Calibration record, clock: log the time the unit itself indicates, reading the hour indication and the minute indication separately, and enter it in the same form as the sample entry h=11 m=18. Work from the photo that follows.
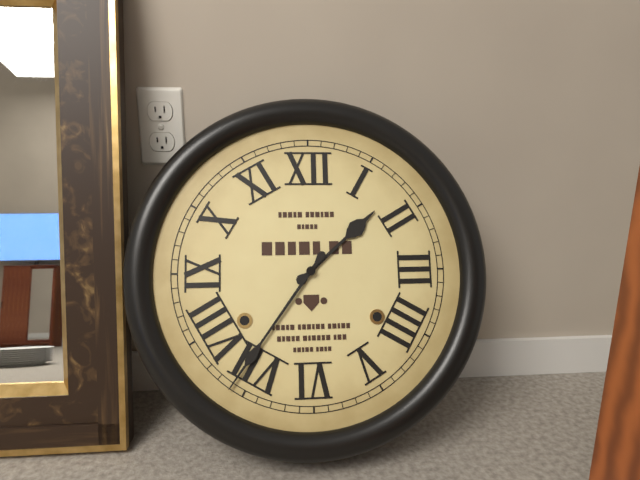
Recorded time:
h=1 m=36
